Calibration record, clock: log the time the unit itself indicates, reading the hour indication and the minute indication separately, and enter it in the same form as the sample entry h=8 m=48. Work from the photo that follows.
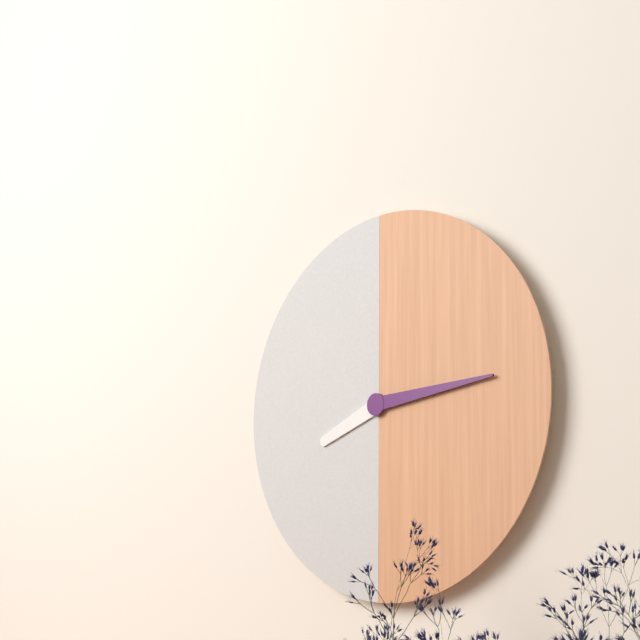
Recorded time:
h=8 m=14
